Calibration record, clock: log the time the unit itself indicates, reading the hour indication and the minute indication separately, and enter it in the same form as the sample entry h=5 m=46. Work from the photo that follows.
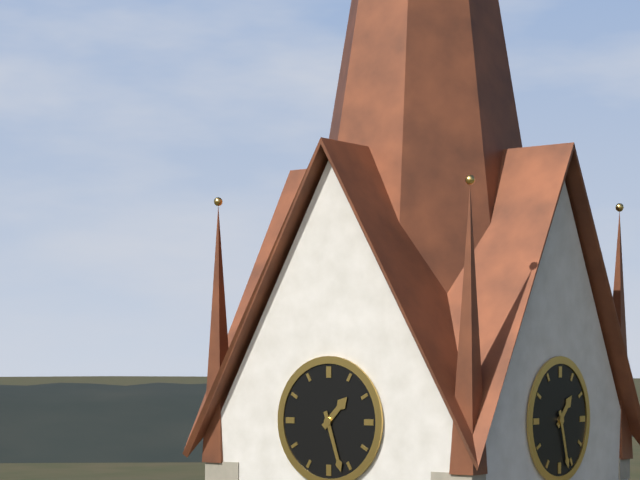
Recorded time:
h=1 m=27
